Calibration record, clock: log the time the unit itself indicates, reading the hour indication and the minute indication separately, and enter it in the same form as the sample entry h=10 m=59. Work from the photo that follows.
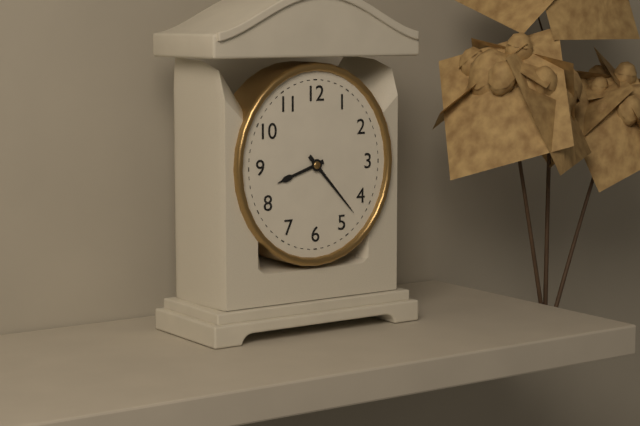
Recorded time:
h=8 m=23
